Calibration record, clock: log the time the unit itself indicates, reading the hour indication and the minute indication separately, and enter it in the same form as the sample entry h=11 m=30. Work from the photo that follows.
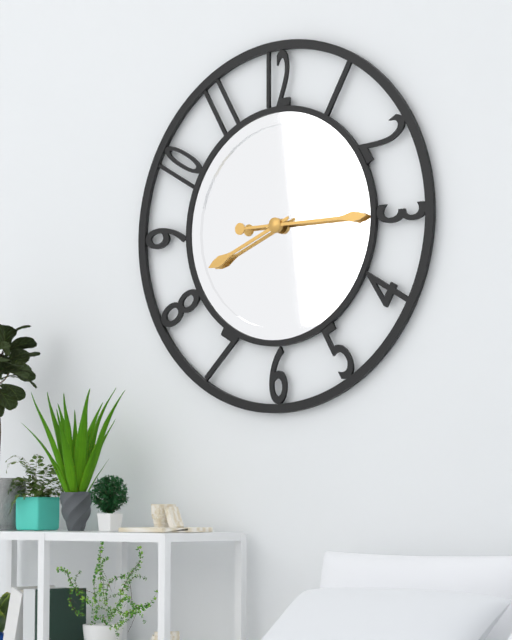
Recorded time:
h=8 m=15
